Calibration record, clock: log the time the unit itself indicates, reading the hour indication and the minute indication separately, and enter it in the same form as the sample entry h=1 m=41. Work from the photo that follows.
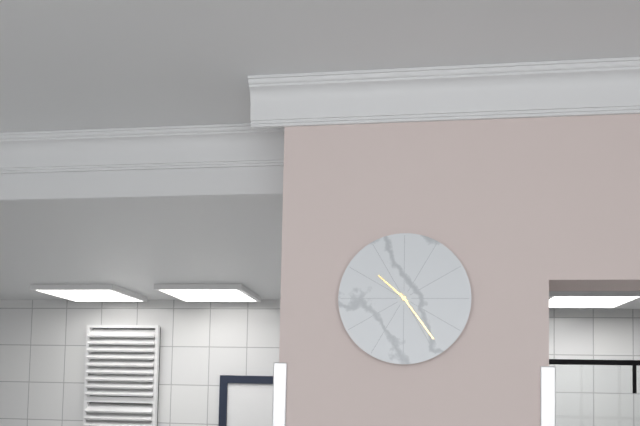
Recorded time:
h=10 m=24
